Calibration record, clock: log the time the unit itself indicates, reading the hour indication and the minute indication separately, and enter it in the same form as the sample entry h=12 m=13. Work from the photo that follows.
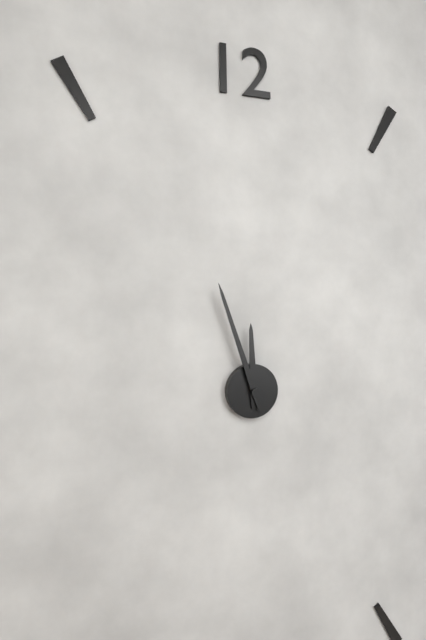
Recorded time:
h=11 m=57
